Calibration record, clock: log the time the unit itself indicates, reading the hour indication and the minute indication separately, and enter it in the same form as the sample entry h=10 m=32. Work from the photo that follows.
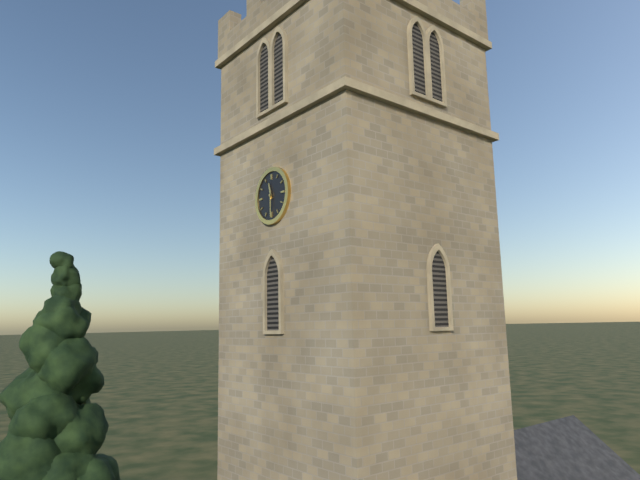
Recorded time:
h=11 m=30
